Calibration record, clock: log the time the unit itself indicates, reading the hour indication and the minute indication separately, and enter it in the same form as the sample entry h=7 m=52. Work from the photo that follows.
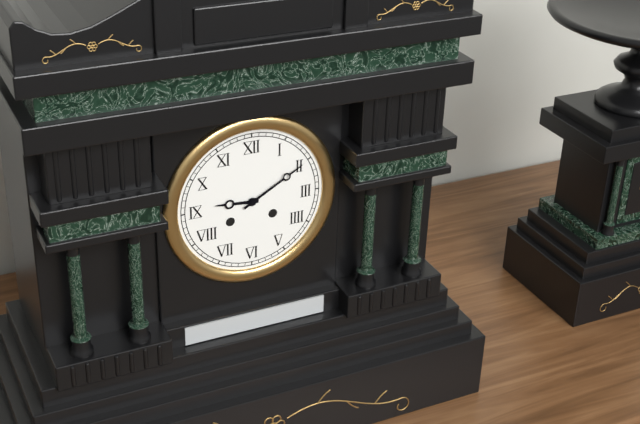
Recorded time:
h=9 m=10
